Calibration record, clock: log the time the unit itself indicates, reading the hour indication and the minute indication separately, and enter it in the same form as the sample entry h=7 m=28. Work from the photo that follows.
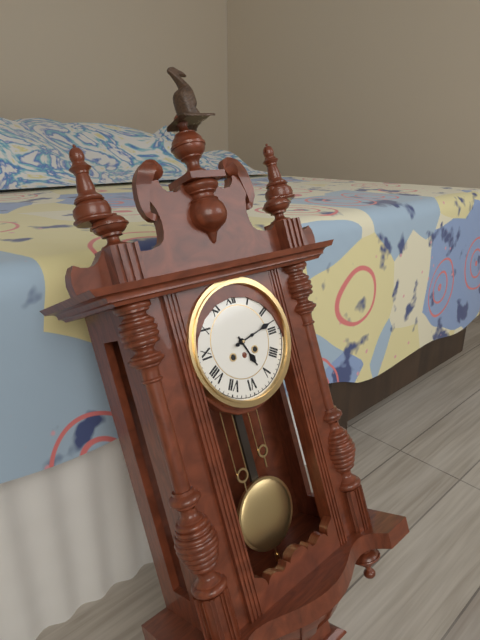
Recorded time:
h=5 m=13
